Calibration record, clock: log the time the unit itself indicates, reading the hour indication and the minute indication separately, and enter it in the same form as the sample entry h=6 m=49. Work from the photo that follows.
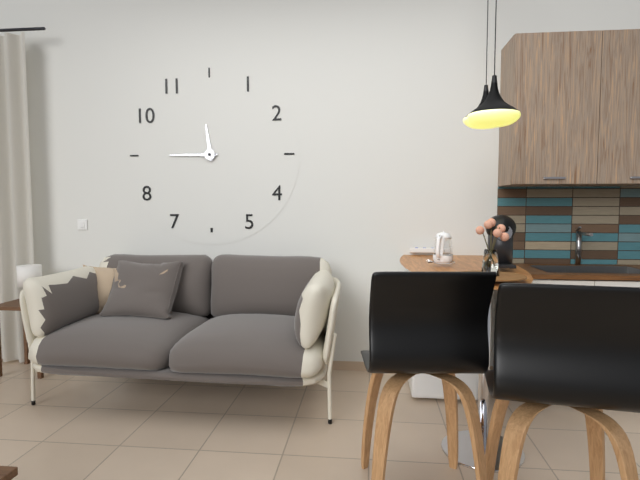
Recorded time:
h=11 m=45
